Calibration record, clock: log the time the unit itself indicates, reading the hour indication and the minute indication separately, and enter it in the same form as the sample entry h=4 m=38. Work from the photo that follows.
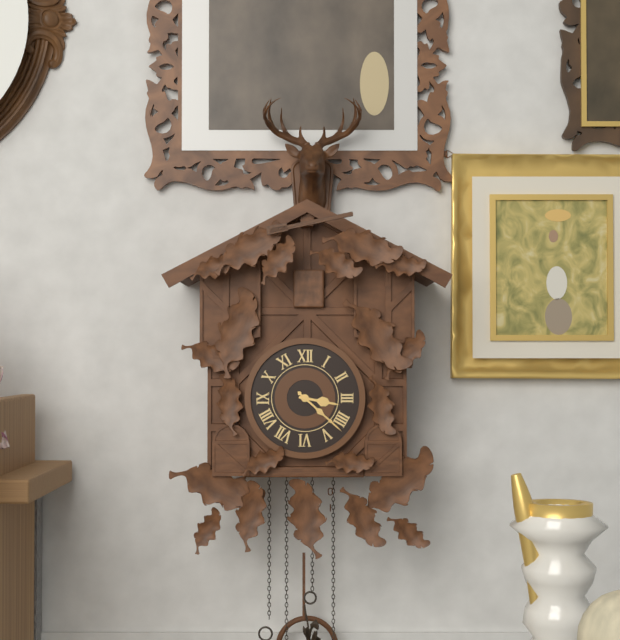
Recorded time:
h=3 m=22
